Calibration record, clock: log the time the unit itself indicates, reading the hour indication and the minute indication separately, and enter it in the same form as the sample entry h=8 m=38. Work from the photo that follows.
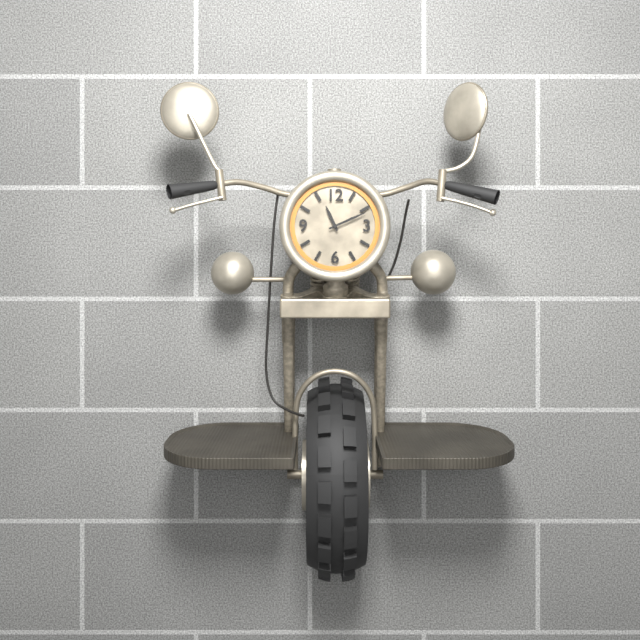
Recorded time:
h=11 m=11
